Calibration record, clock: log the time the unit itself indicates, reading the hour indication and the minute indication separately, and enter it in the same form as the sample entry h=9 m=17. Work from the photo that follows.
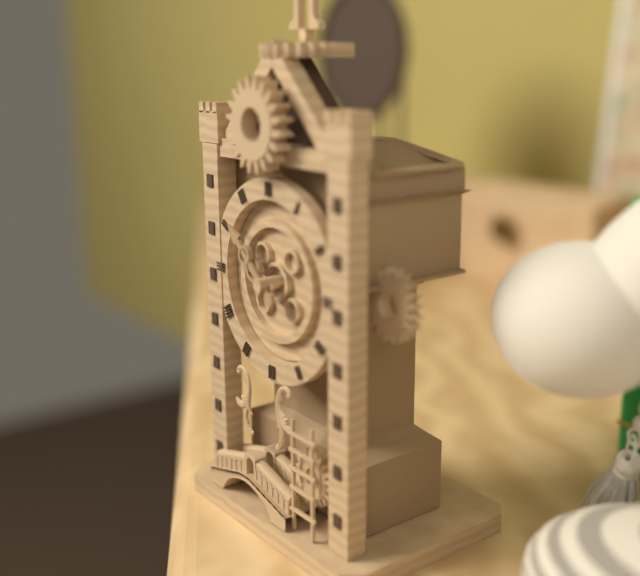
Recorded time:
h=9 m=52
